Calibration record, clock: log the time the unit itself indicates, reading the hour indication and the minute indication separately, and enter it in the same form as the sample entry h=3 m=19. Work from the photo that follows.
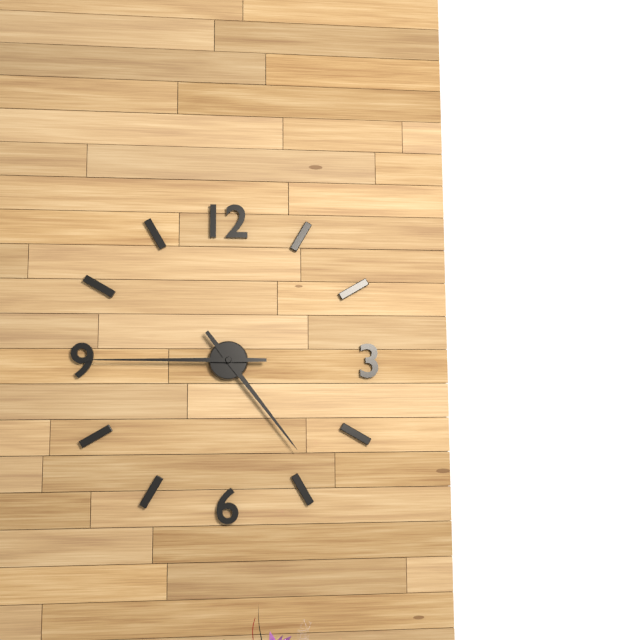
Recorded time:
h=4 m=45
